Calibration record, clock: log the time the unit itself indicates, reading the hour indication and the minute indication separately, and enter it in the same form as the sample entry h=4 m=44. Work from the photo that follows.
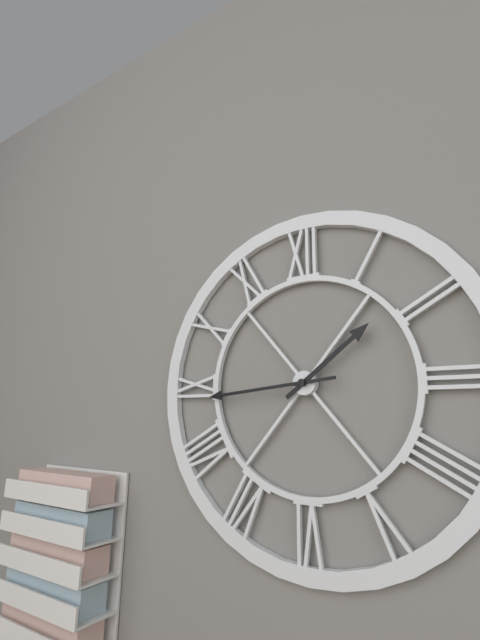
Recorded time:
h=1 m=44
